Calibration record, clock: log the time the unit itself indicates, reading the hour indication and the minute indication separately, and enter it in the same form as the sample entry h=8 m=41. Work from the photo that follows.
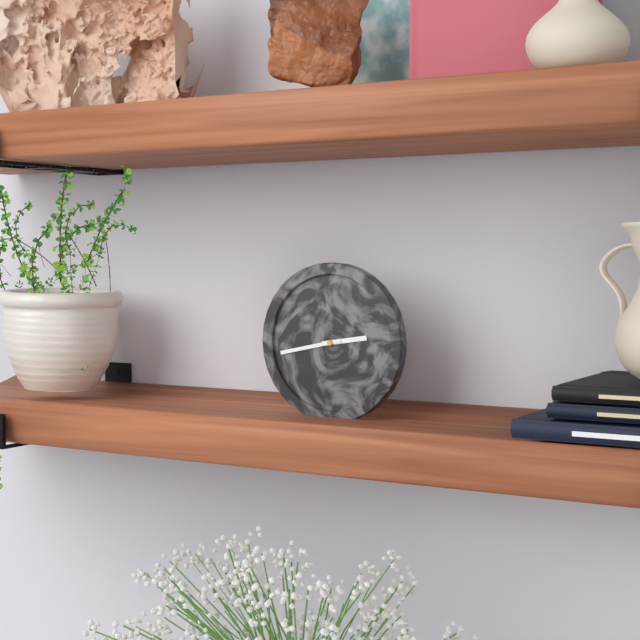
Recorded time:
h=2 m=43
